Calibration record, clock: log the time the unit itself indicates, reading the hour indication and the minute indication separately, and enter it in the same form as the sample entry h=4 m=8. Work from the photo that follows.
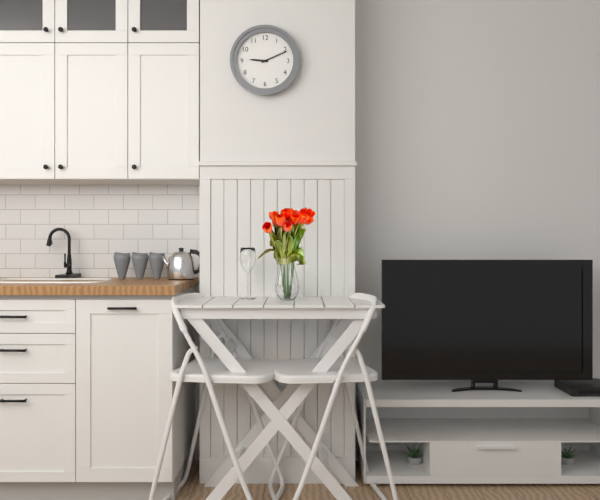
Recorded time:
h=9 m=11
